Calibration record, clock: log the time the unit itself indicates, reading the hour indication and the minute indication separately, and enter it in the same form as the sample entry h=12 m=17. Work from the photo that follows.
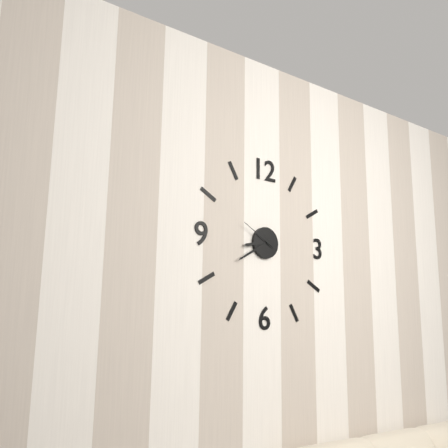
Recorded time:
h=8 m=40
